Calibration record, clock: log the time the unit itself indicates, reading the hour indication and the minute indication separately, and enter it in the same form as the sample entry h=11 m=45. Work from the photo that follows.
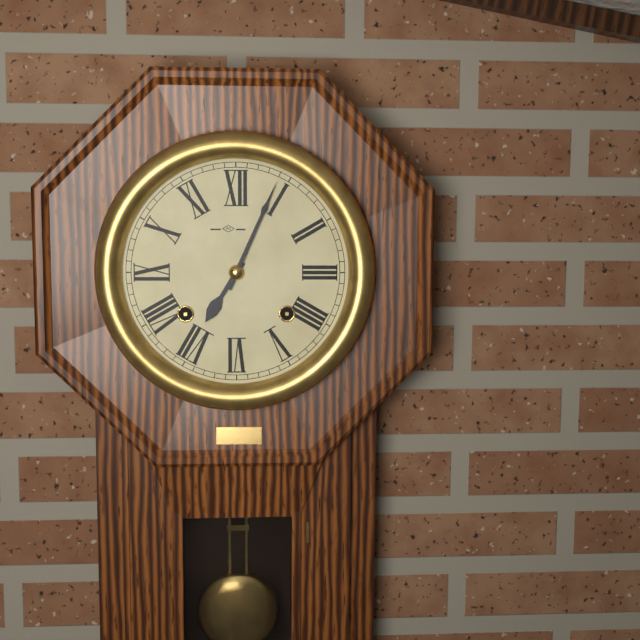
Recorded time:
h=7 m=4
